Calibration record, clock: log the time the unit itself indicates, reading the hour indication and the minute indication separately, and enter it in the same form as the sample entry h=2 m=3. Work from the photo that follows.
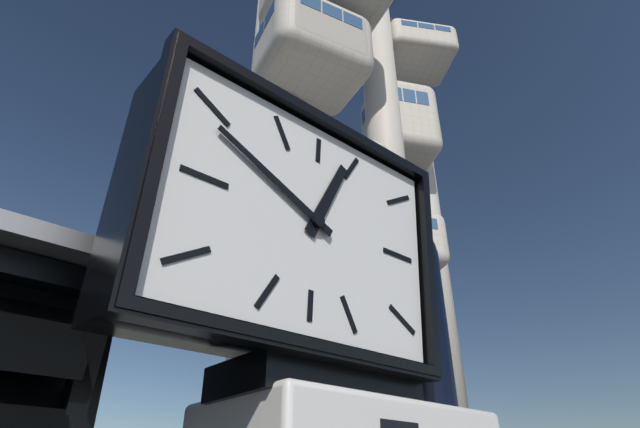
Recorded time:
h=12 m=49
